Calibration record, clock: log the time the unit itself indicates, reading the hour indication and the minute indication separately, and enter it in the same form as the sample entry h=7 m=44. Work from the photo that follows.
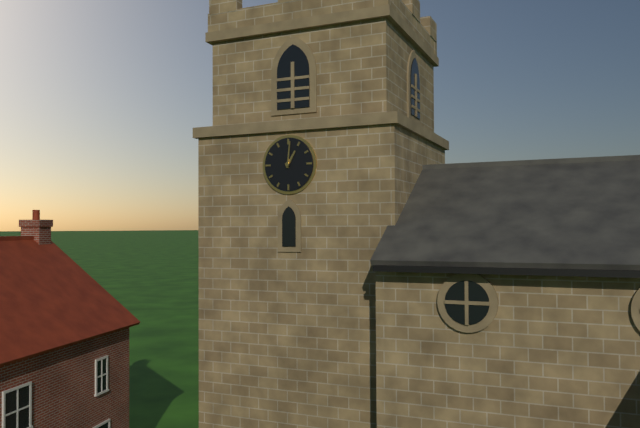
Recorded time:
h=1 m=1
